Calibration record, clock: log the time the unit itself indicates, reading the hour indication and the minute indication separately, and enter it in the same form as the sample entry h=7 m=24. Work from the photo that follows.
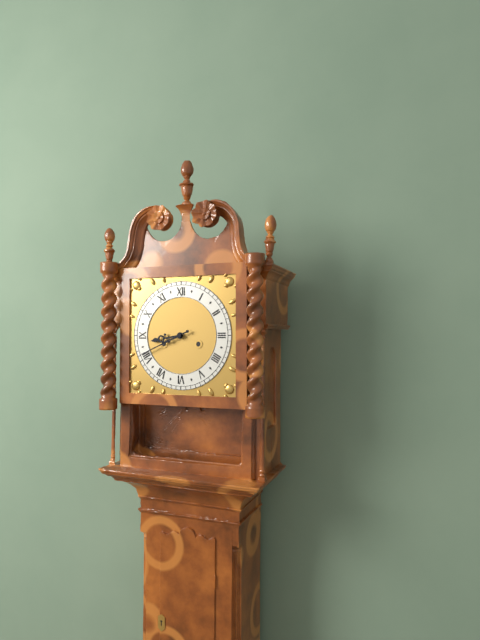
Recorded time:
h=8 m=41
